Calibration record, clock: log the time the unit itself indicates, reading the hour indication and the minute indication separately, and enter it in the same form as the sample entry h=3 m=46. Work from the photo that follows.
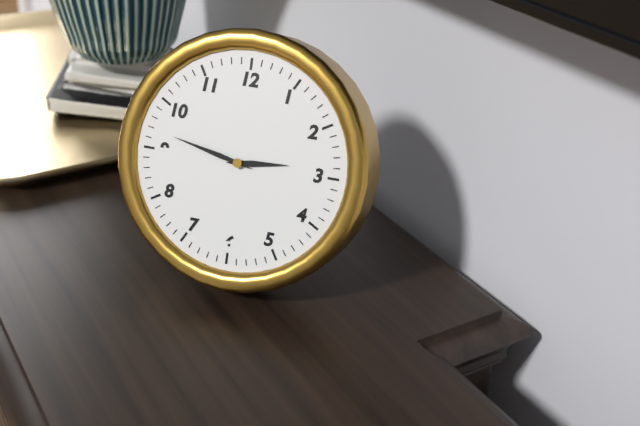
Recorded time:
h=2 m=47
